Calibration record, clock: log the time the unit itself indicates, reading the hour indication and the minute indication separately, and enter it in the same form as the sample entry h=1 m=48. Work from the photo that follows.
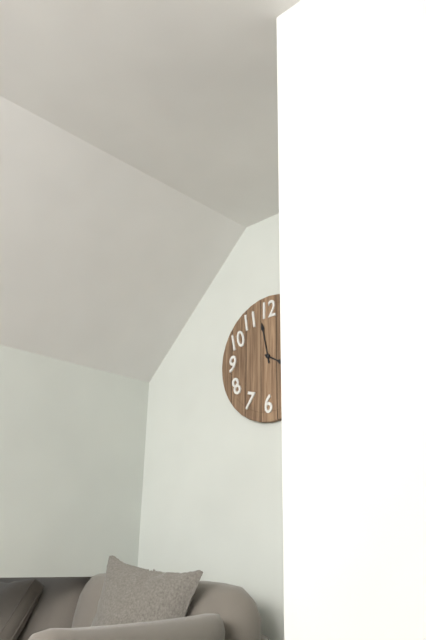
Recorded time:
h=3 m=58
